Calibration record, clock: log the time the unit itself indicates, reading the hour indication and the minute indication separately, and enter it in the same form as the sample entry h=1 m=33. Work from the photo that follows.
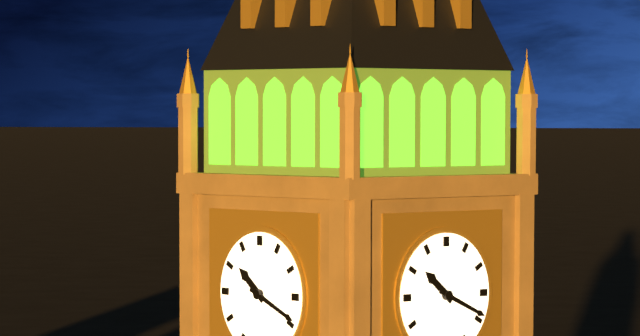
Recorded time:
h=10 m=19
